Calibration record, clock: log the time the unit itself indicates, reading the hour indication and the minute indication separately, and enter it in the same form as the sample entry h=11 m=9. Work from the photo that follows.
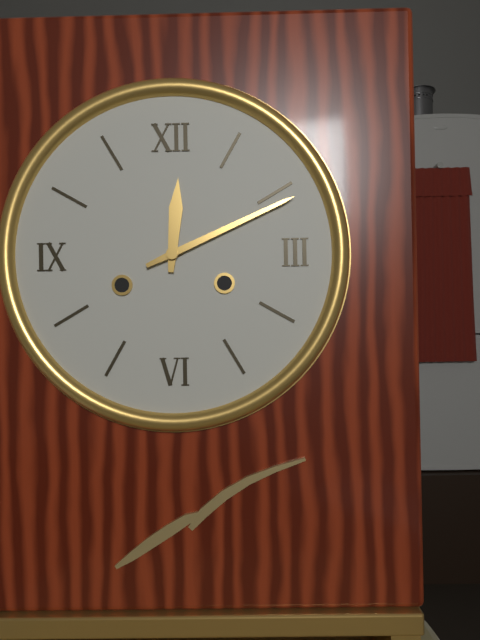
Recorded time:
h=12 m=11
